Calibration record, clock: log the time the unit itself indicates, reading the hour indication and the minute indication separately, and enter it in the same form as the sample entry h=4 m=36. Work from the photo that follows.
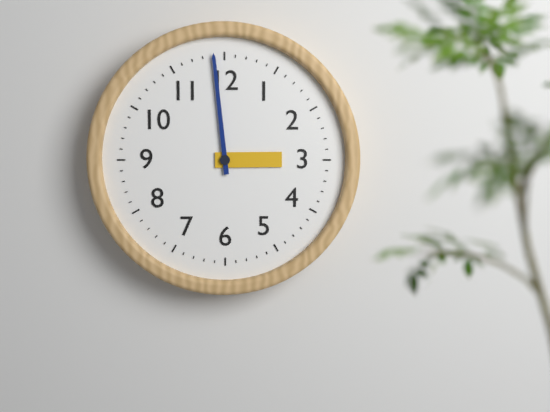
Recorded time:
h=2 m=59
